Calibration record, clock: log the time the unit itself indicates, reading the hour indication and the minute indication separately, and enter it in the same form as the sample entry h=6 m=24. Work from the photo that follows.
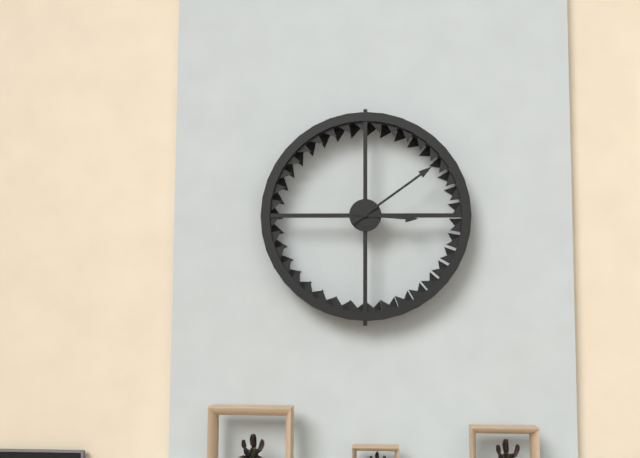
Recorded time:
h=3 m=9
